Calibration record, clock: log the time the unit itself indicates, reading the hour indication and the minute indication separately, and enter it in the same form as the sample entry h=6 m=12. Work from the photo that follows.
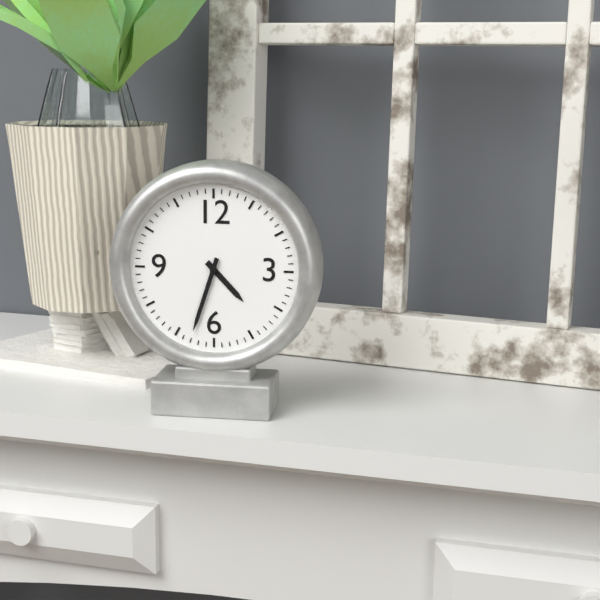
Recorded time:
h=4 m=33
